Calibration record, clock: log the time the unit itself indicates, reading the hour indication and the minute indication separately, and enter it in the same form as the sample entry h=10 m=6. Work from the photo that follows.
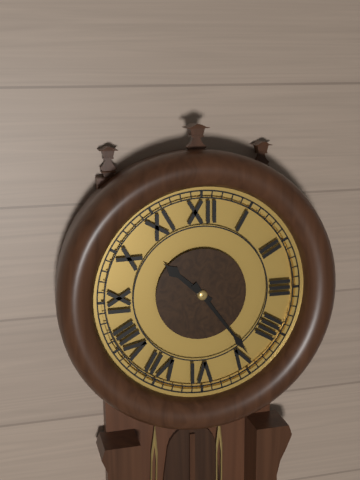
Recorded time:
h=10 m=24
